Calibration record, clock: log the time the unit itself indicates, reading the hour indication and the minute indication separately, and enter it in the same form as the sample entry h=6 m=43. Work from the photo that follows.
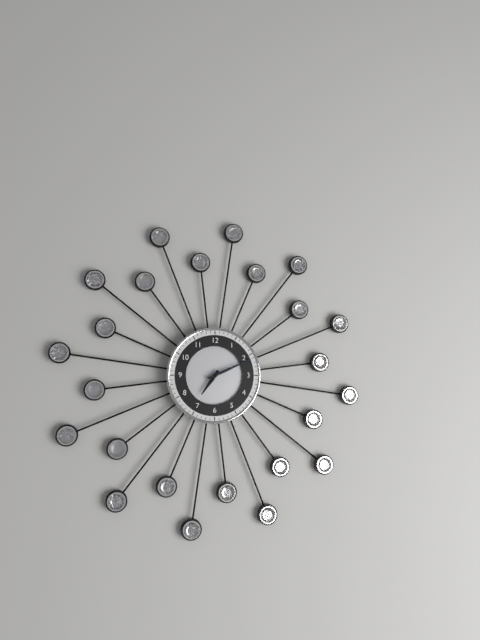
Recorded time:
h=7 m=11
